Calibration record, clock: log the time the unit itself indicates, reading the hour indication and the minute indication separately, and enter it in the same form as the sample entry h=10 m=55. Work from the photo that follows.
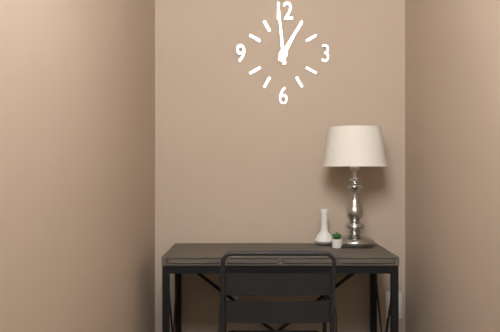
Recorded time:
h=12 m=59
